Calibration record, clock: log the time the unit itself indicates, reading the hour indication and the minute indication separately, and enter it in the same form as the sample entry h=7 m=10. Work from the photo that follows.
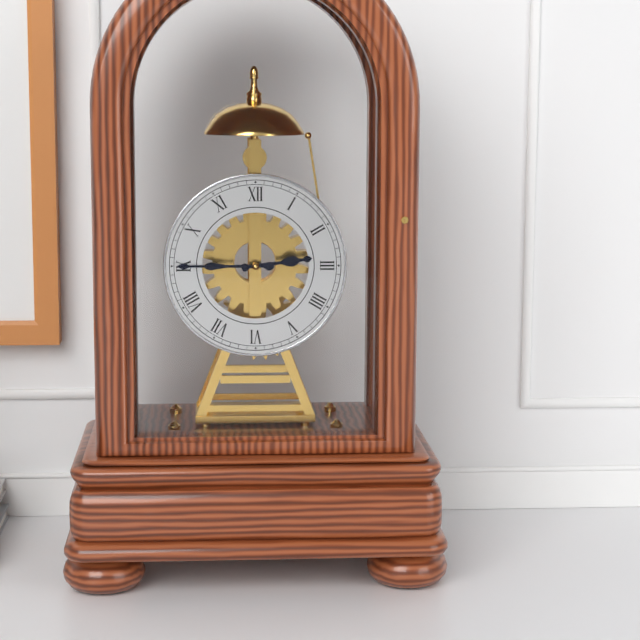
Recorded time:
h=2 m=45
